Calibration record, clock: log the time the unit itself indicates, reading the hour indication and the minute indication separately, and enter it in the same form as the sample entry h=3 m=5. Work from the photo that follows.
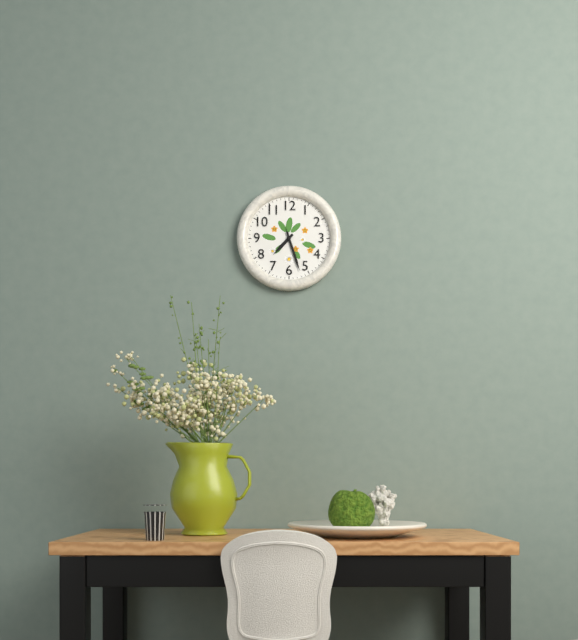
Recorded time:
h=7 m=27
